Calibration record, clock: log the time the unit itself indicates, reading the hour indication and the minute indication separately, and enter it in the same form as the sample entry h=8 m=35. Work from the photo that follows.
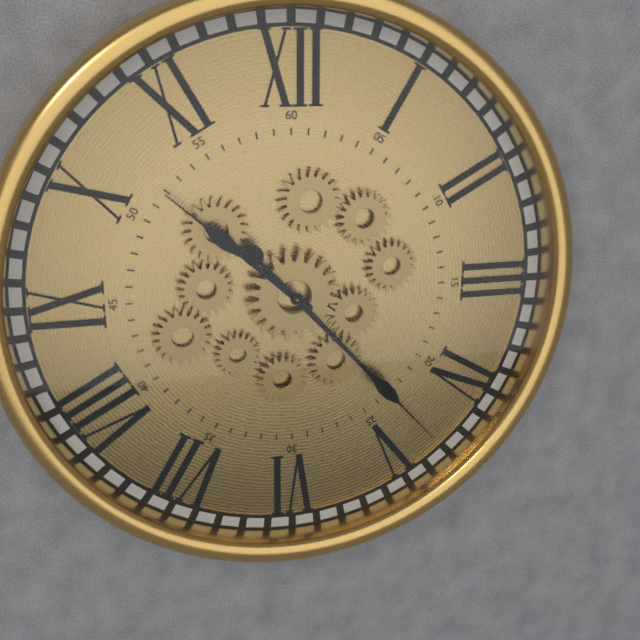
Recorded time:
h=10 m=23
